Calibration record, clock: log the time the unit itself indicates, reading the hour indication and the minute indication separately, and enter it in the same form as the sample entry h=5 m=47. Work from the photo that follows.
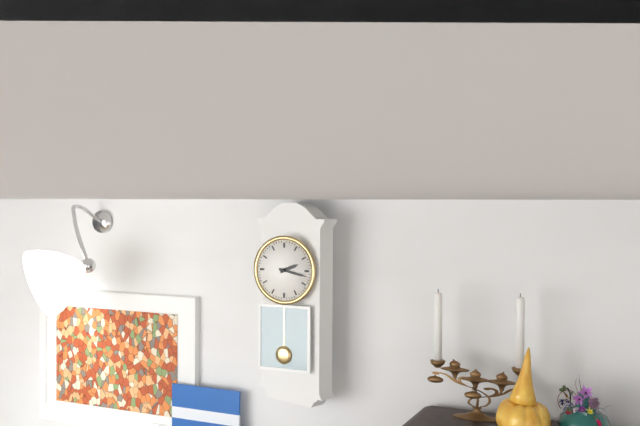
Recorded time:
h=2 m=17
